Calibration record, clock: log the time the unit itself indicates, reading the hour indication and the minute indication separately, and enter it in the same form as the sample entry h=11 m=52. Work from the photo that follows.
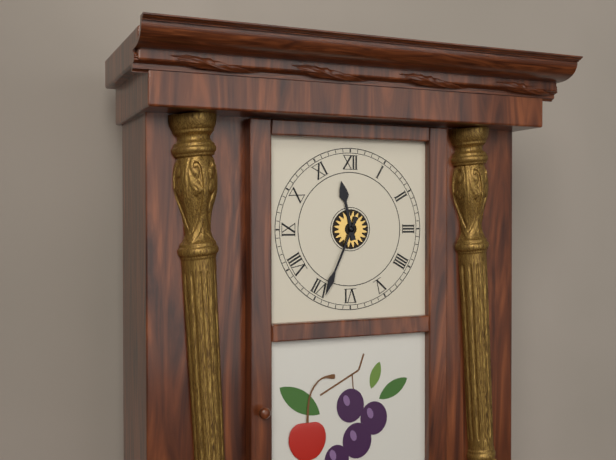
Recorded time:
h=11 m=34
